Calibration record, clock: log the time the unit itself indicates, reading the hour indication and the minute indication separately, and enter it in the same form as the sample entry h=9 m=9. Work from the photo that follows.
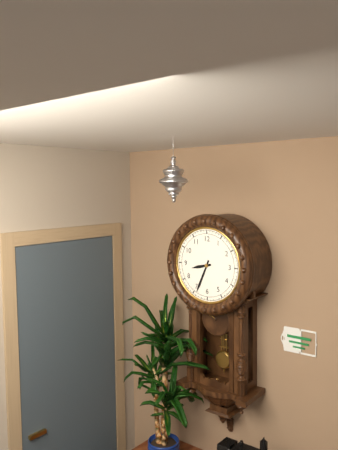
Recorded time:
h=8 m=34
